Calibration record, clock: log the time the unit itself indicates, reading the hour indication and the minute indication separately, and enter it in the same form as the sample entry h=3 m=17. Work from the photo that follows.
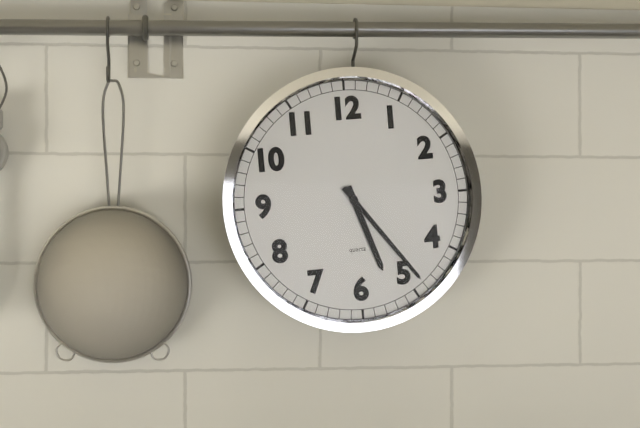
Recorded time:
h=5 m=24
